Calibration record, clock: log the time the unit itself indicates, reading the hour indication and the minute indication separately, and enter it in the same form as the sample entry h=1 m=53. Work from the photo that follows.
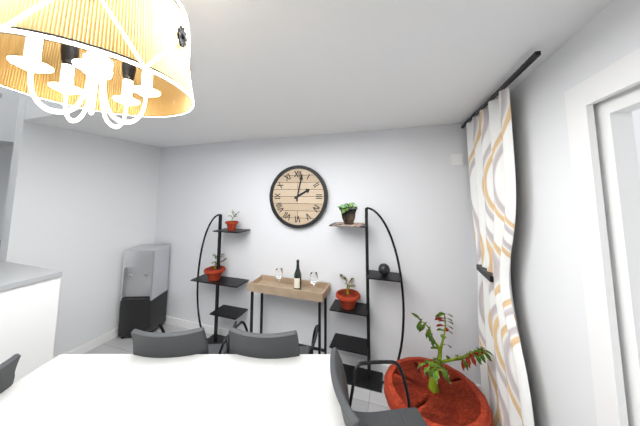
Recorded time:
h=2 m=2
